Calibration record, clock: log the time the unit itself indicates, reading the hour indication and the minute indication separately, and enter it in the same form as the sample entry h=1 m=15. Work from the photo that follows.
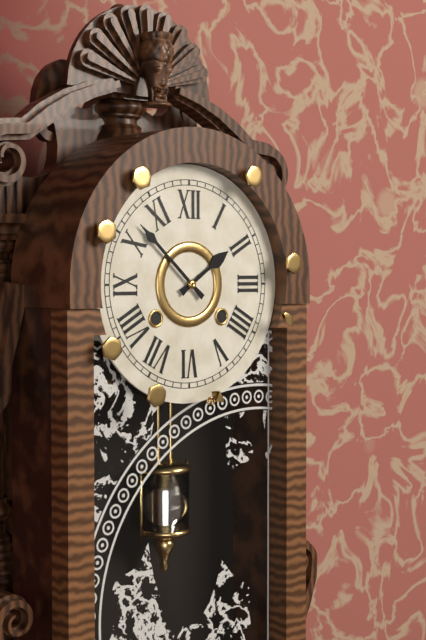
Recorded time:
h=1 m=52
